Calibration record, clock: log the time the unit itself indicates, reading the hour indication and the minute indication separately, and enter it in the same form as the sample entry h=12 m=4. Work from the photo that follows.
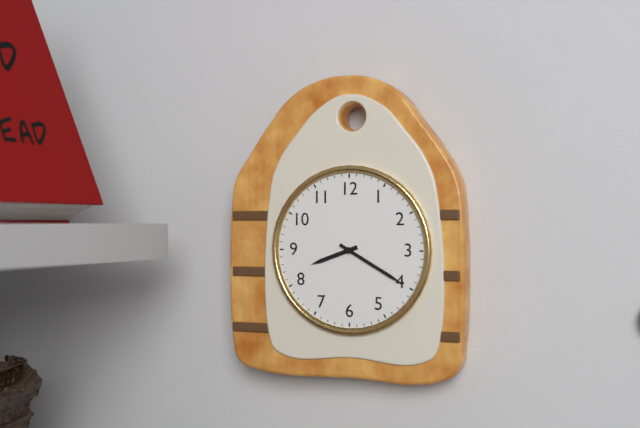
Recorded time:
h=8 m=20
